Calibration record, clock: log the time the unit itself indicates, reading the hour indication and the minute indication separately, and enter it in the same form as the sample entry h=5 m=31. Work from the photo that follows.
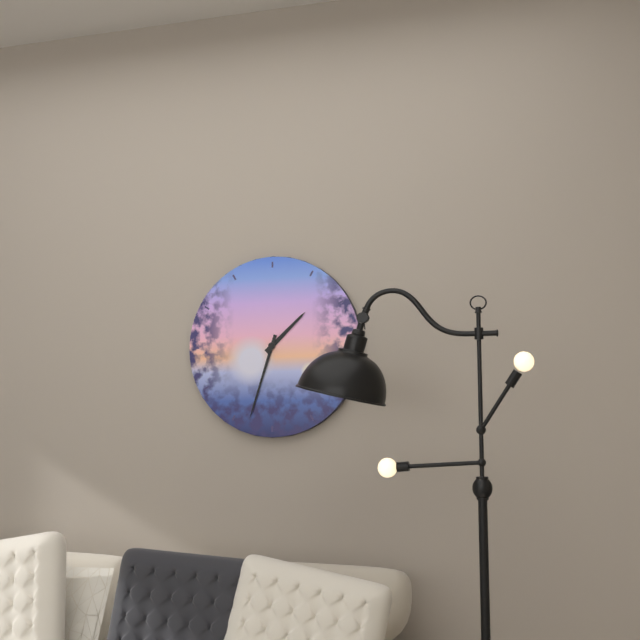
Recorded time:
h=1 m=33
